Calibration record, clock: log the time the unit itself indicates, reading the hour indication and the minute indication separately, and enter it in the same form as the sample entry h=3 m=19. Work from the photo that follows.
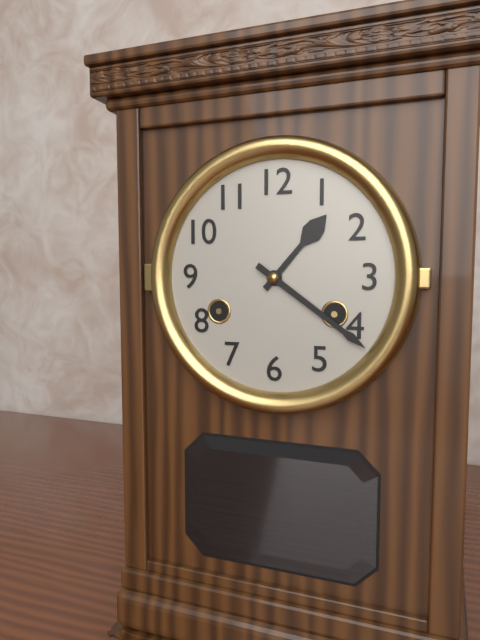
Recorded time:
h=1 m=21
